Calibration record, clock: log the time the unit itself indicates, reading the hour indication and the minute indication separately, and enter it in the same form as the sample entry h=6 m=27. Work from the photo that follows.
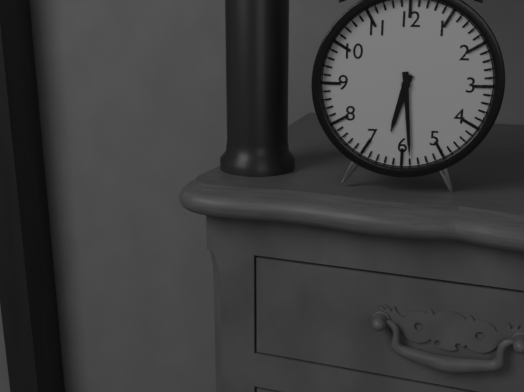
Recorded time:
h=6 m=29
